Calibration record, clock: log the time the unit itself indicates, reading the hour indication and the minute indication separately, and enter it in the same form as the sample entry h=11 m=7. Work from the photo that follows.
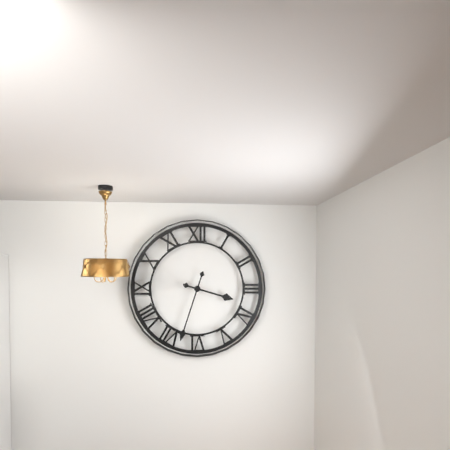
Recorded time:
h=3 m=33
